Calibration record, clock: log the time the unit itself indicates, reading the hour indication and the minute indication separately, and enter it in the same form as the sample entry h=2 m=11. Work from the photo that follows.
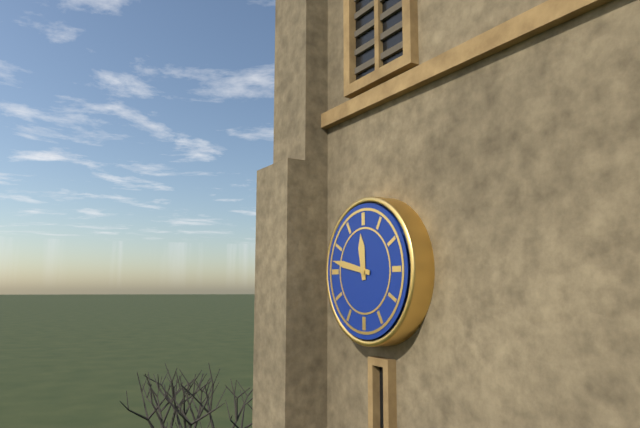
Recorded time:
h=11 m=47
